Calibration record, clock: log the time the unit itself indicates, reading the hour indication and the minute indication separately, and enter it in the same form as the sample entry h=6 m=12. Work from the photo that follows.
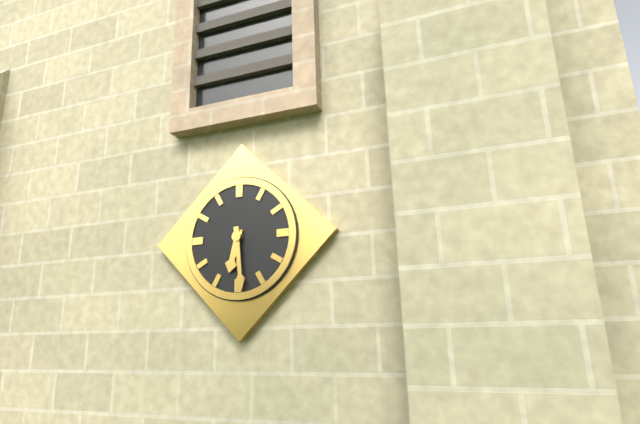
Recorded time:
h=6 m=29
